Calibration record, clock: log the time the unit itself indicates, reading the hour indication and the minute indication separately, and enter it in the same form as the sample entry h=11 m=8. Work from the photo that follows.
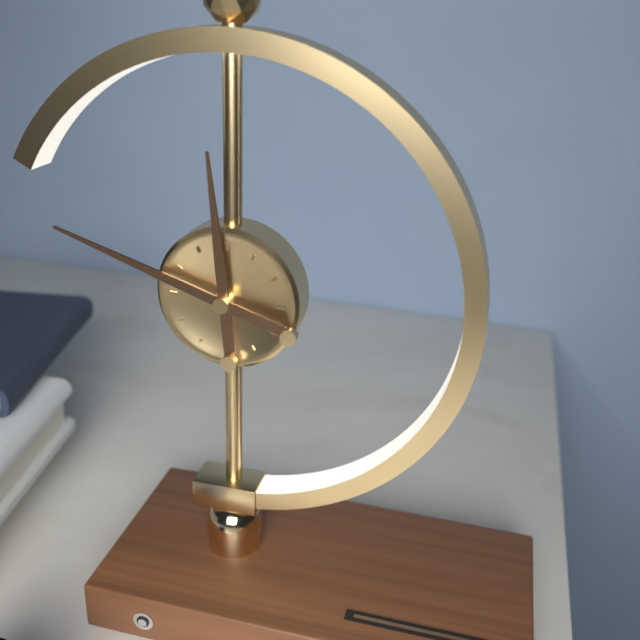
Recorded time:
h=11 m=48
